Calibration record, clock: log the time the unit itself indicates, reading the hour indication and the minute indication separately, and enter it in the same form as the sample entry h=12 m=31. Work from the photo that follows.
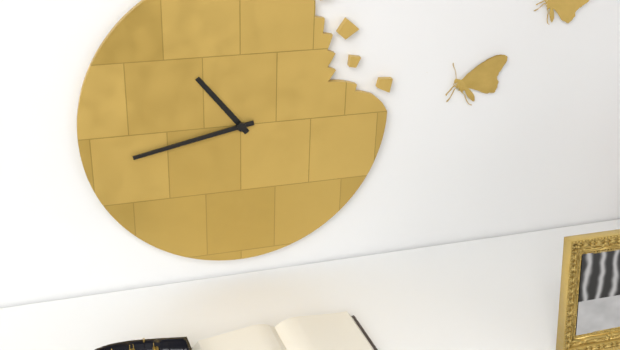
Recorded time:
h=10 m=43
